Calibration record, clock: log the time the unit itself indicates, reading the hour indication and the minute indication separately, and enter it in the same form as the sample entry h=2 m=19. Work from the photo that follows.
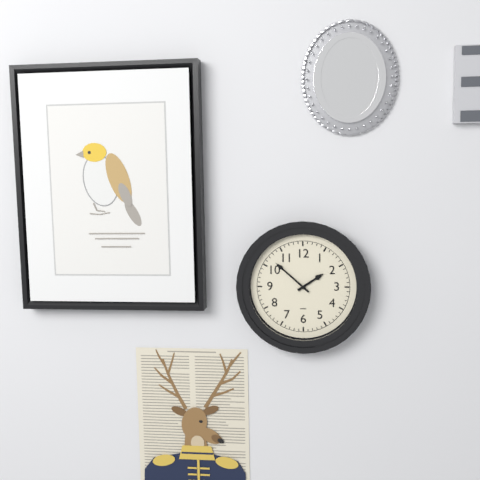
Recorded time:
h=1 m=52
